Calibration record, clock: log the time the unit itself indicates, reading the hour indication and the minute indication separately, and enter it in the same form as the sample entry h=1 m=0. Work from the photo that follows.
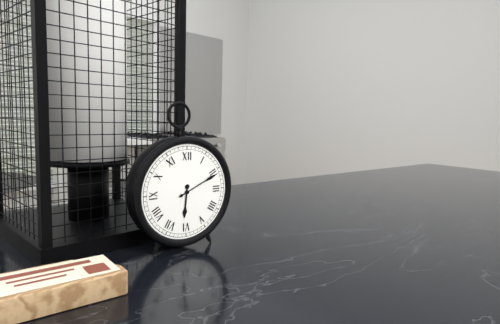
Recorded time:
h=6 m=11
